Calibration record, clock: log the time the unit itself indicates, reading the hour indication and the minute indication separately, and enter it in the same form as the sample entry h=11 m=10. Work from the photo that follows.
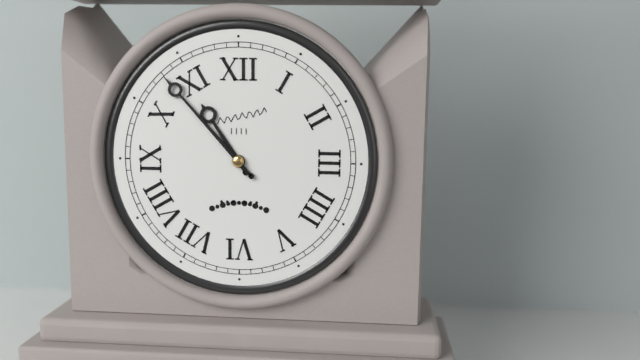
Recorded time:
h=10 m=53
